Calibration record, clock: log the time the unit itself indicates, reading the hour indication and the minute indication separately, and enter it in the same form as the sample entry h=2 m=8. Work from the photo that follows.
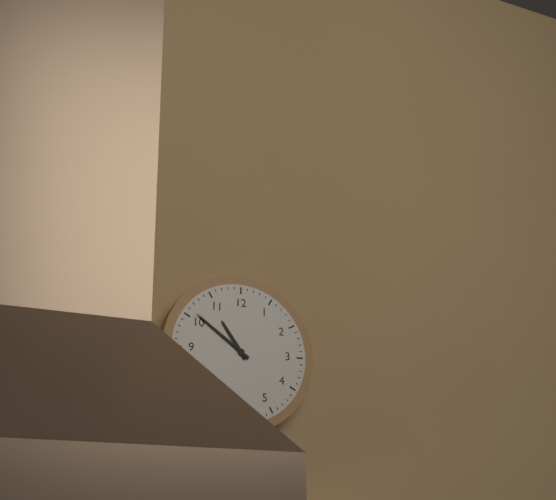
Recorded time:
h=10 m=51
